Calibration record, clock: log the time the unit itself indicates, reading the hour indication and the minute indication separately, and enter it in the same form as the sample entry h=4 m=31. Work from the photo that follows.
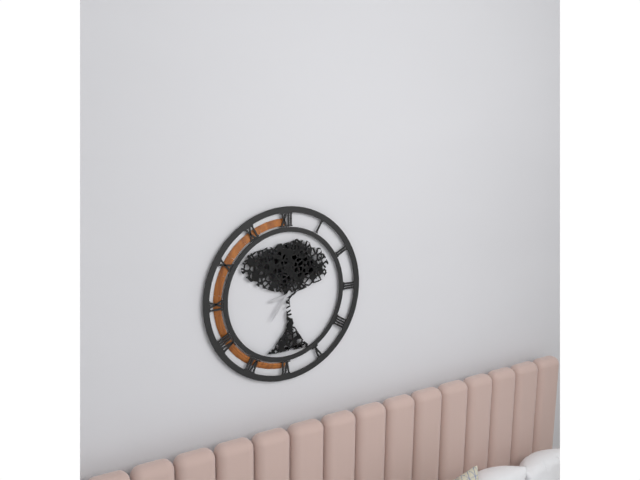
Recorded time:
h=8 m=36
